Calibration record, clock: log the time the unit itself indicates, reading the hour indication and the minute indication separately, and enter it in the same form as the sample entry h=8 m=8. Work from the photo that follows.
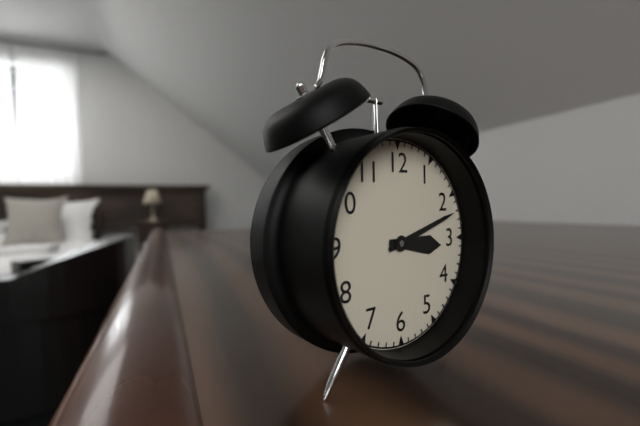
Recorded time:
h=3 m=12
